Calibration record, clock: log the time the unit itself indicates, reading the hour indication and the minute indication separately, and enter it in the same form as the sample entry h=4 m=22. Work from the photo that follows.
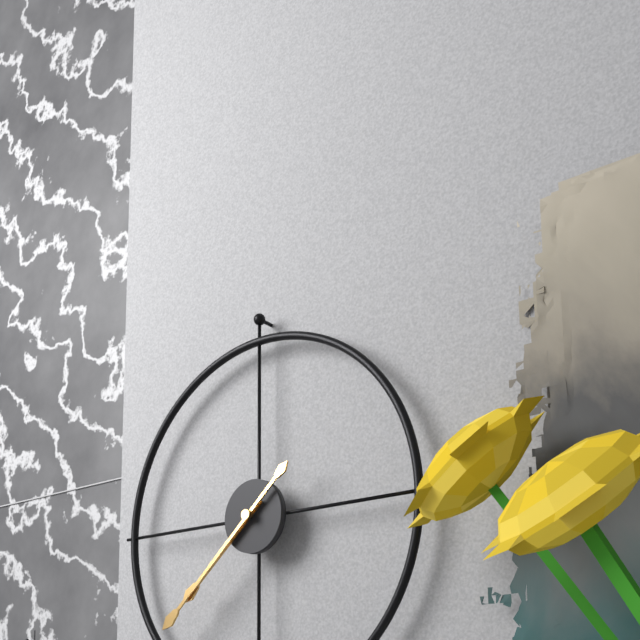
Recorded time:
h=7 m=38
